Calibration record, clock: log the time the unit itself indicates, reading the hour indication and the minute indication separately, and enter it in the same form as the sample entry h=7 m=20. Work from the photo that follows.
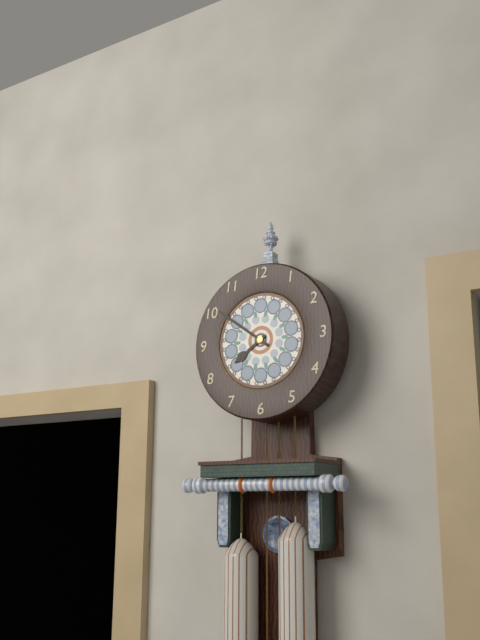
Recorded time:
h=7 m=51
